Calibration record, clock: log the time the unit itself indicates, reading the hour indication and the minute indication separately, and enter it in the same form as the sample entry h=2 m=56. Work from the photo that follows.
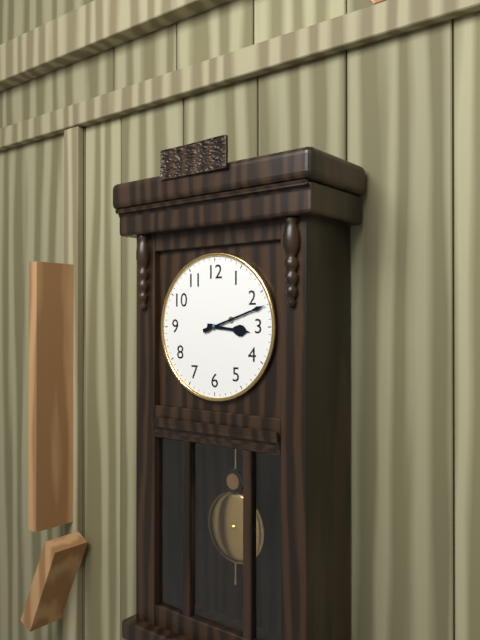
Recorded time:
h=3 m=12
